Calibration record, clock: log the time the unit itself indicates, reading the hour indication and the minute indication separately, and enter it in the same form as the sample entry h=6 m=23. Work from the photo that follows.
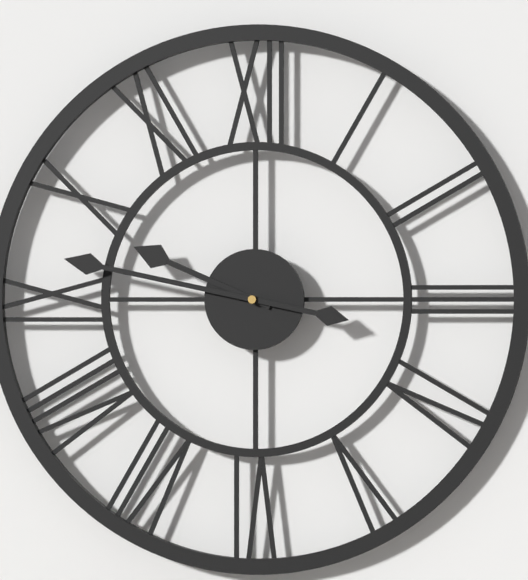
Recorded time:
h=9 m=47
